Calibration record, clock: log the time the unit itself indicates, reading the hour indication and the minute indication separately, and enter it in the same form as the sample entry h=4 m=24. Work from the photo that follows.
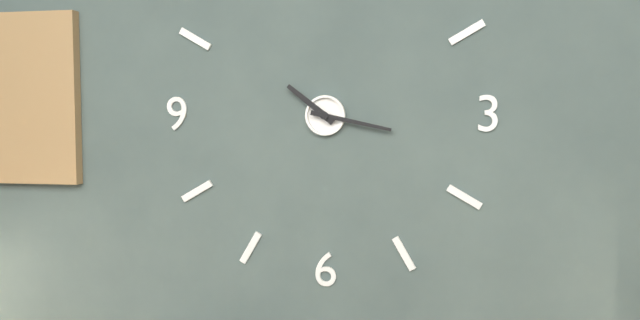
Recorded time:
h=10 m=17
